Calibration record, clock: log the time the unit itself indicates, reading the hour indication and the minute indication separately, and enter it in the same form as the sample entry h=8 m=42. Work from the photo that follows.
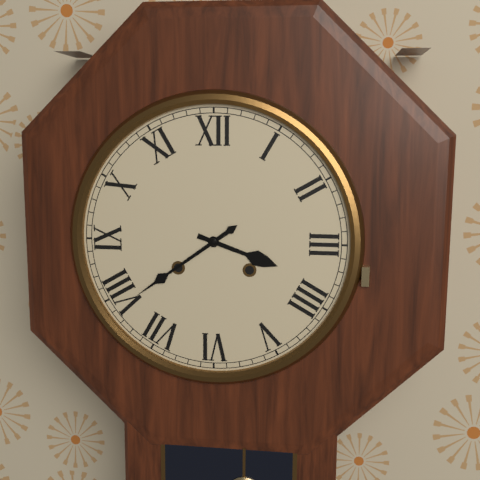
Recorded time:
h=3 m=39
